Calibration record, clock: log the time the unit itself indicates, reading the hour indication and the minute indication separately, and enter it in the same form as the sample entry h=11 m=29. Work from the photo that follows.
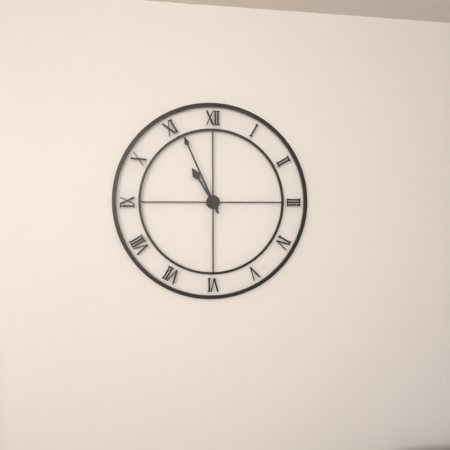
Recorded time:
h=10 m=56
